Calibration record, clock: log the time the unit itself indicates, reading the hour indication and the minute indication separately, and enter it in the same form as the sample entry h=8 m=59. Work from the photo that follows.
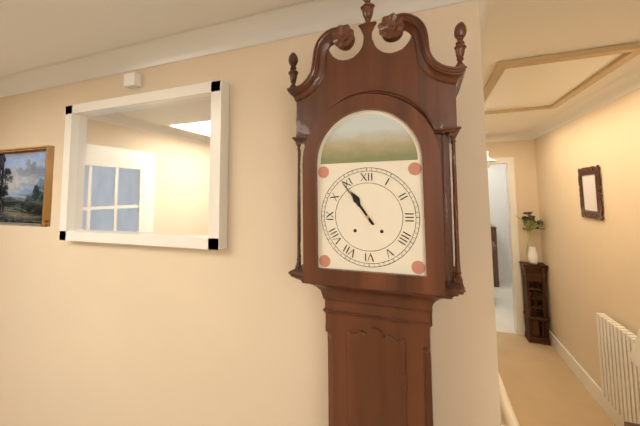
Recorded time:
h=10 m=54
